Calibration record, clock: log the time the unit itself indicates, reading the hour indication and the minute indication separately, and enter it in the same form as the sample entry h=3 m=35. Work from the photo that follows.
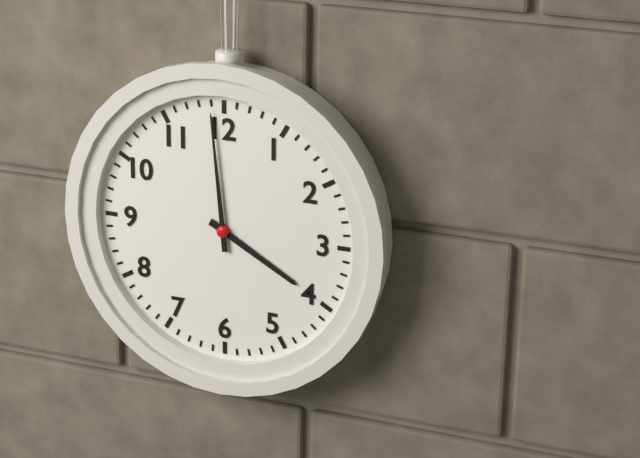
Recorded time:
h=3 m=59
